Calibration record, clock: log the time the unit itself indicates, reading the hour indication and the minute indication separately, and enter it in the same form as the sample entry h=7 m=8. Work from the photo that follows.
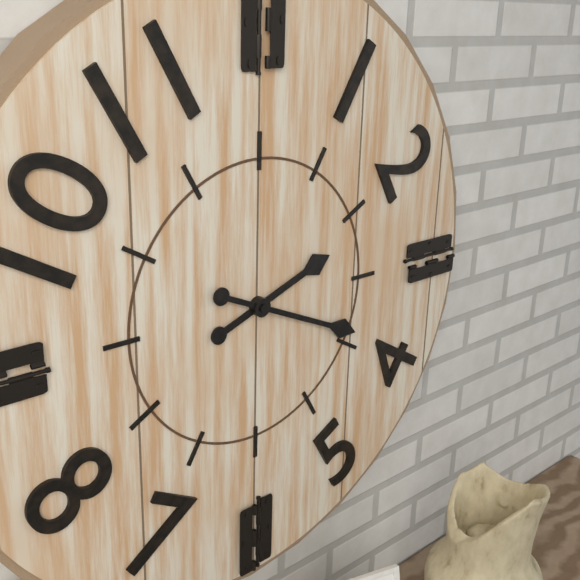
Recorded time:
h=2 m=19
